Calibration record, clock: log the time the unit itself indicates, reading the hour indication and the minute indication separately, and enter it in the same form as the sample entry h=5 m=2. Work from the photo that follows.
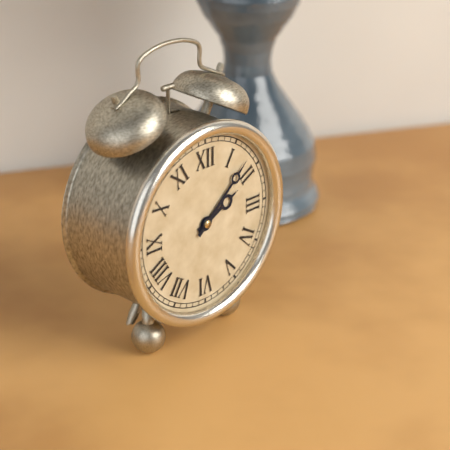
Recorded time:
h=2 m=8
